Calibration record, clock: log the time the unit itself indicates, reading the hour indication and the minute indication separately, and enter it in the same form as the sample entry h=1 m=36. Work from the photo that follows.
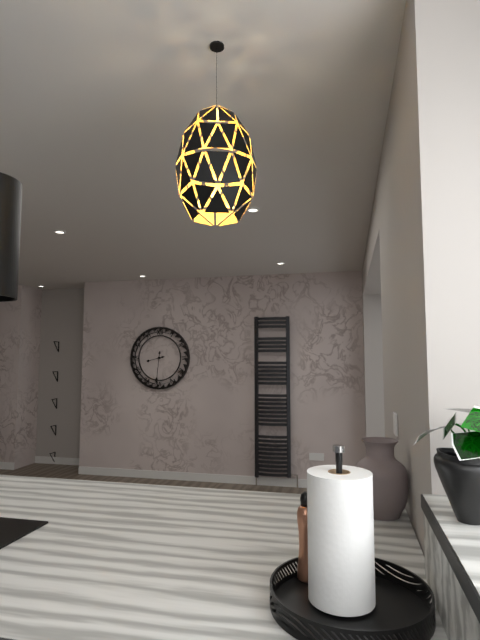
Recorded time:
h=8 m=31
